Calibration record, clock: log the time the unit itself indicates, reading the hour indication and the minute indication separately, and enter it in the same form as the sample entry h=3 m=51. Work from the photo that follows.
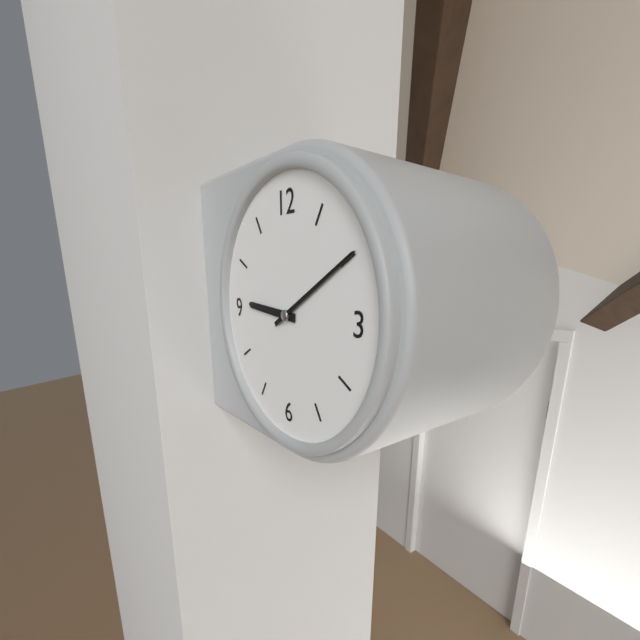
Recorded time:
h=9 m=10
